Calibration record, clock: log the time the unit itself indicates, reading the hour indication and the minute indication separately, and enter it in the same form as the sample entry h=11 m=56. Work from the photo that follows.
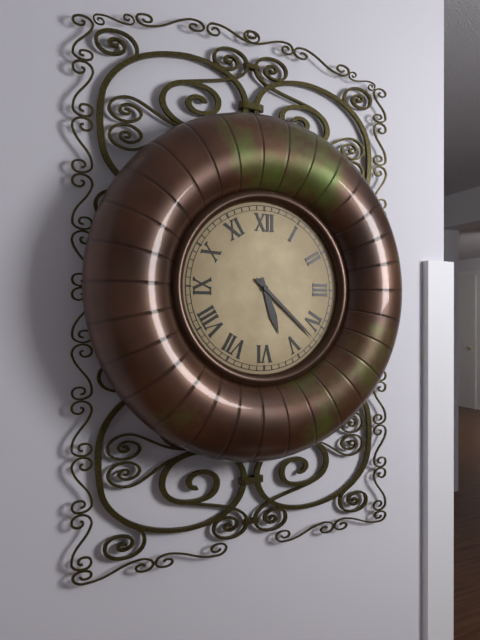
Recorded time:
h=5 m=22
